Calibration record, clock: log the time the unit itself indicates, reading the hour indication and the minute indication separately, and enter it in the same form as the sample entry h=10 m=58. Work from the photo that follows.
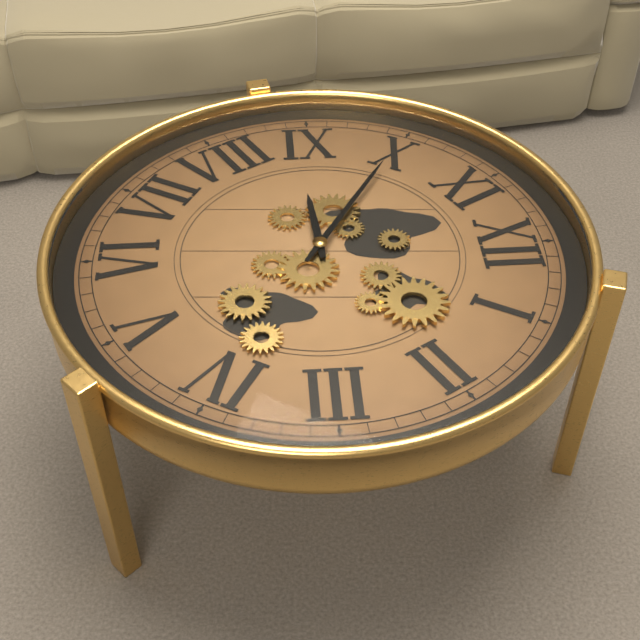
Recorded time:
h=8 m=50
